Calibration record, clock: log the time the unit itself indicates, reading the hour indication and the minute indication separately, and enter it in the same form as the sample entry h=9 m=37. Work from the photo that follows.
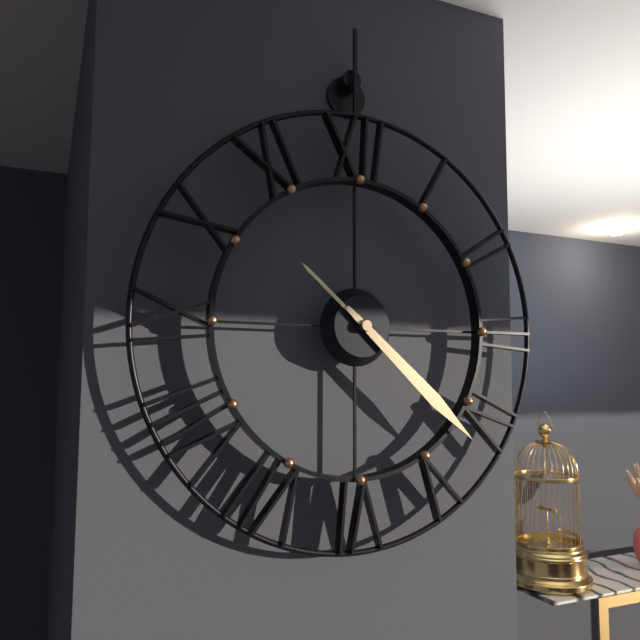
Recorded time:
h=10 m=22
